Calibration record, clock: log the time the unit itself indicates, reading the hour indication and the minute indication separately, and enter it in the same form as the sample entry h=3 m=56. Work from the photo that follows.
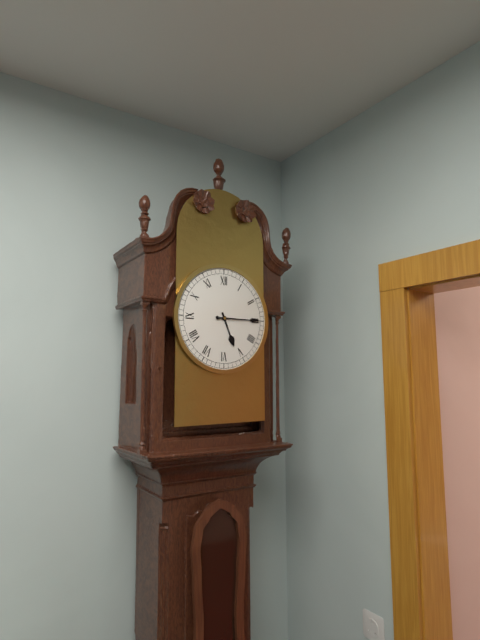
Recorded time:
h=5 m=15
